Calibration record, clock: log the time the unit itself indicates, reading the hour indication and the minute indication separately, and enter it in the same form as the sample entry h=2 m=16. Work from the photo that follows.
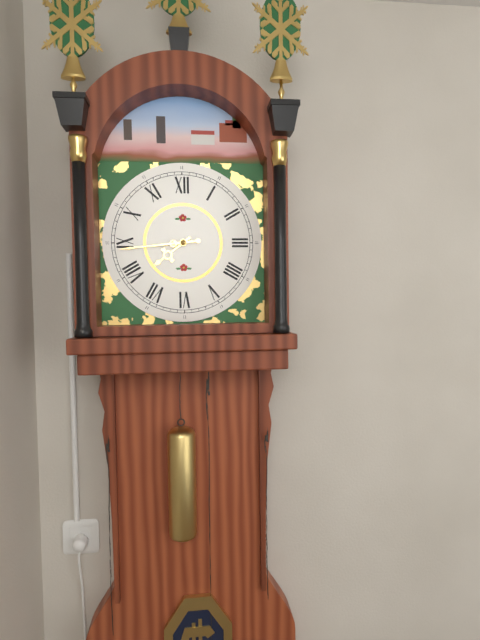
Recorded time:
h=7 m=44
